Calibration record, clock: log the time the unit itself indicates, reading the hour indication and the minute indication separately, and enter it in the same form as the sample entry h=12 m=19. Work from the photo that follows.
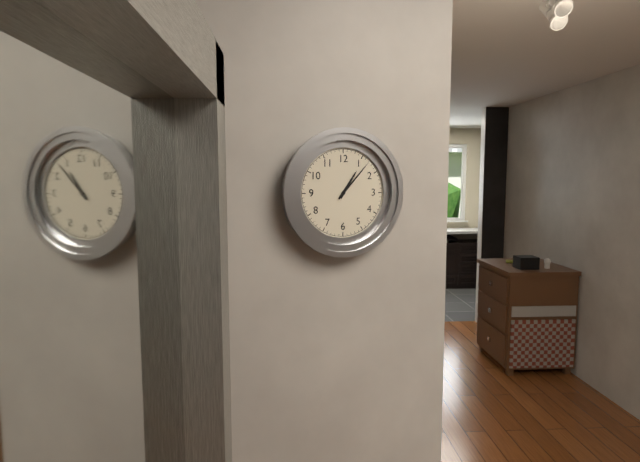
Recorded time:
h=1 m=7
